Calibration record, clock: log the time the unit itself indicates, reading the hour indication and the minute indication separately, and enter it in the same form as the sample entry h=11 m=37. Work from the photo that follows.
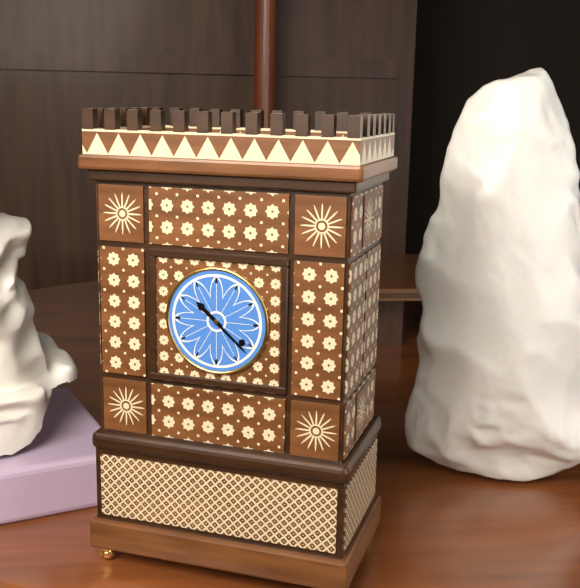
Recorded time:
h=10 m=22
